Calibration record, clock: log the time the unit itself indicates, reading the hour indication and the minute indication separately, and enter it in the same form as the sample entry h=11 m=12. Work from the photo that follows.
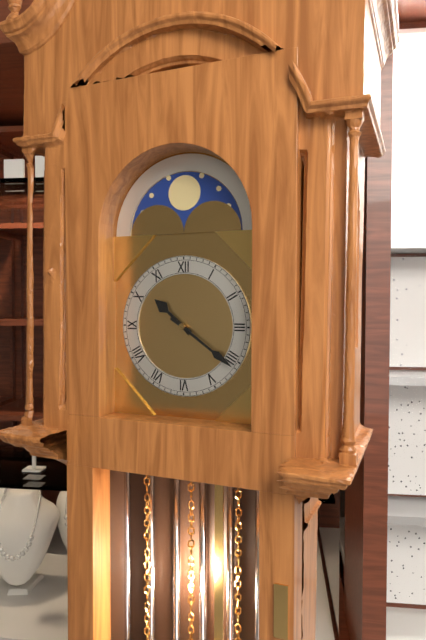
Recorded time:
h=10 m=21
